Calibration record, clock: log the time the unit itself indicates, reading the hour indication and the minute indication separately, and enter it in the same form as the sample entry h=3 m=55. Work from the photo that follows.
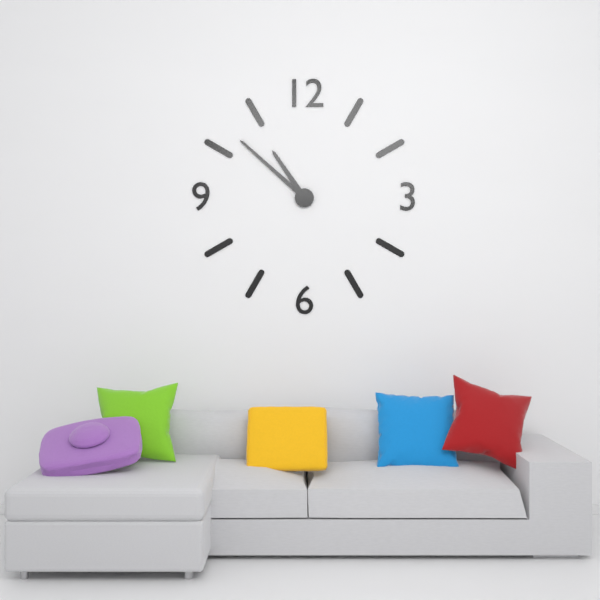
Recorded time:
h=10 m=52
